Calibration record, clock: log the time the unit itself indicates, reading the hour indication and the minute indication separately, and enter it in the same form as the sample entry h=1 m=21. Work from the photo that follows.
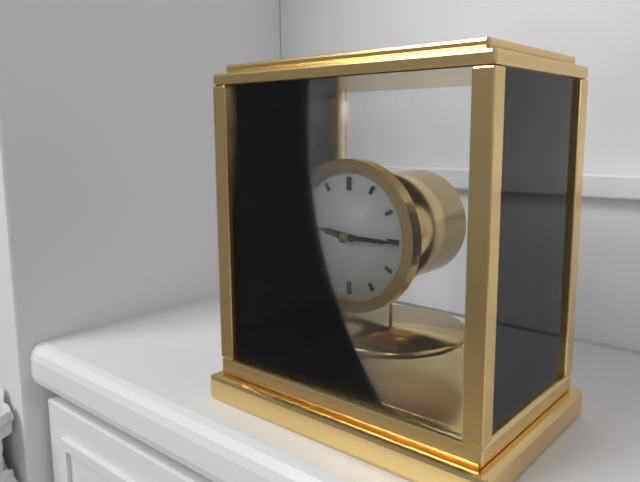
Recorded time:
h=9 m=15
